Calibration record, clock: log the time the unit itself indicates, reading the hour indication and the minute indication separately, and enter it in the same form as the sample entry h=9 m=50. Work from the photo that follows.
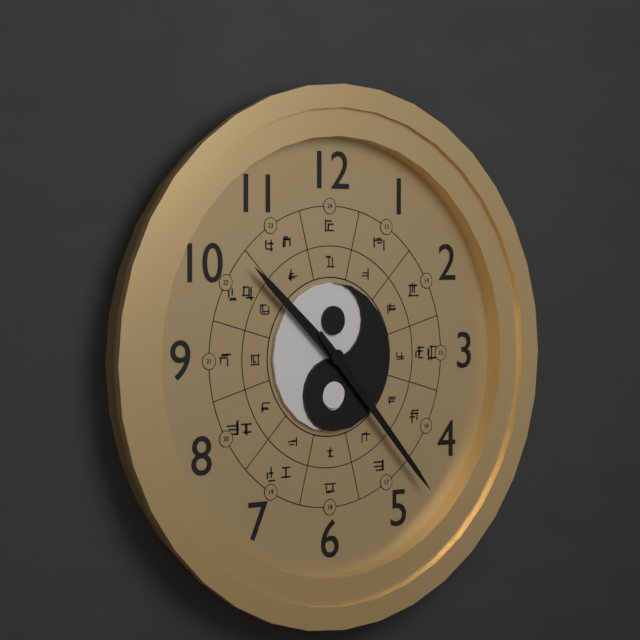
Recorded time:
h=10 m=23
